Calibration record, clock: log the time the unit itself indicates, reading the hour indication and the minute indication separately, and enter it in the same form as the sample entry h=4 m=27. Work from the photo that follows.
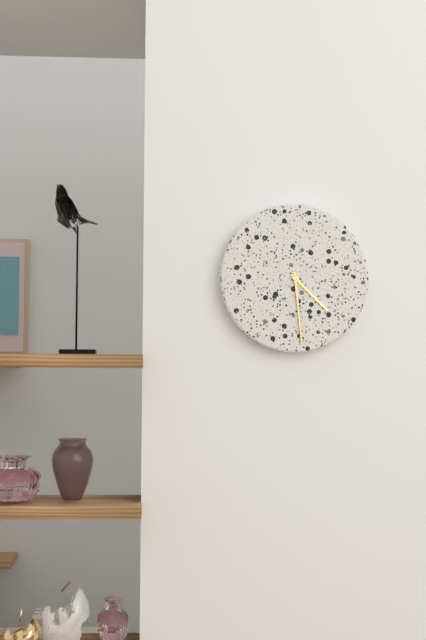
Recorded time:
h=4 m=29
